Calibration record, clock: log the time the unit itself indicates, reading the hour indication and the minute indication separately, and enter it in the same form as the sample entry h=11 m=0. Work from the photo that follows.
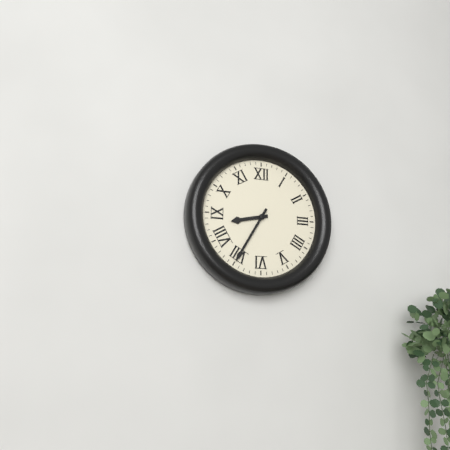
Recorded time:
h=8 m=35
